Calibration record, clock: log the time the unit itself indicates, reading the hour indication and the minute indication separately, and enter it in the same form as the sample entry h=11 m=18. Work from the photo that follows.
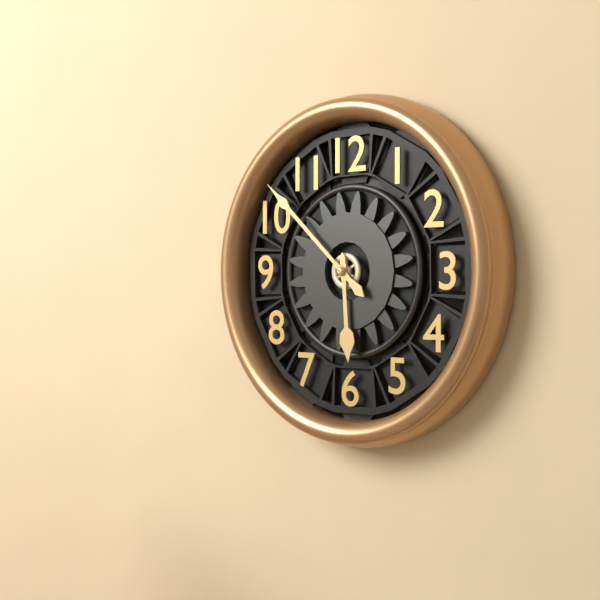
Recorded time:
h=5 m=52
